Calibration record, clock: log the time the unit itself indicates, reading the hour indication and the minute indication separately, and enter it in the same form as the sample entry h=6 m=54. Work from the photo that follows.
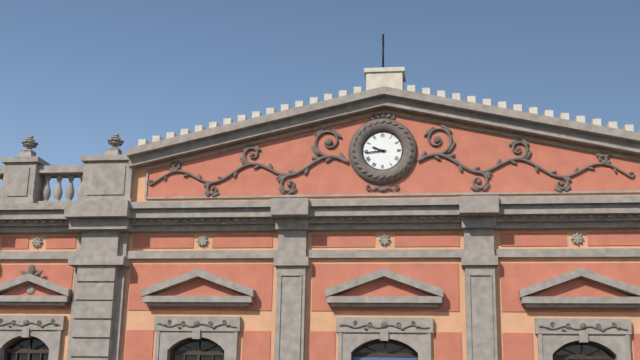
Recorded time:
h=9 m=44
